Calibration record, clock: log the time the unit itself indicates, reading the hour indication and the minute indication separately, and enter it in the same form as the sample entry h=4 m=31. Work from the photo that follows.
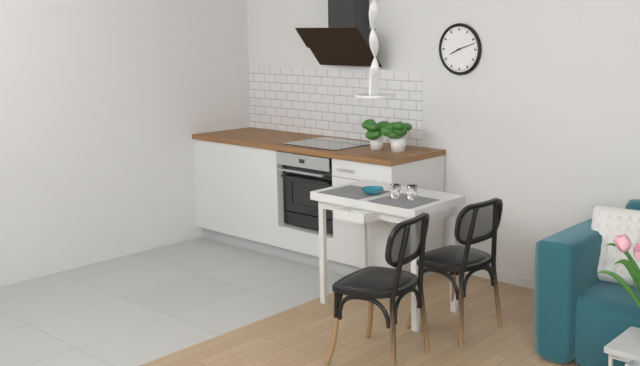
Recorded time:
h=8 m=12
